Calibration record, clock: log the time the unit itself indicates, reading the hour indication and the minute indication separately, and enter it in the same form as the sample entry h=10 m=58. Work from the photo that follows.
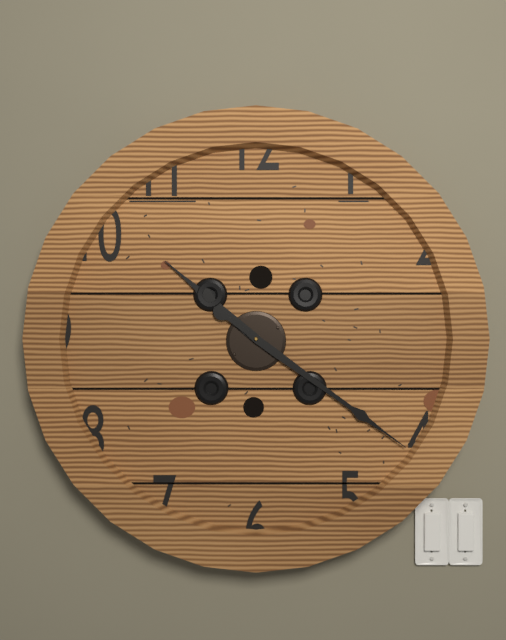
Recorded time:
h=10 m=21
